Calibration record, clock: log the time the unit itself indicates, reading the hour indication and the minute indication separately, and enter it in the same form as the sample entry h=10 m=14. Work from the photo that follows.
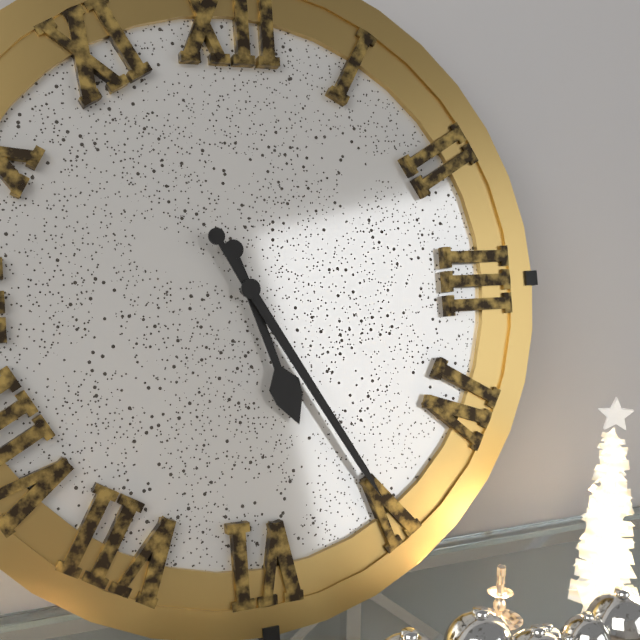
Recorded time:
h=5 m=25
